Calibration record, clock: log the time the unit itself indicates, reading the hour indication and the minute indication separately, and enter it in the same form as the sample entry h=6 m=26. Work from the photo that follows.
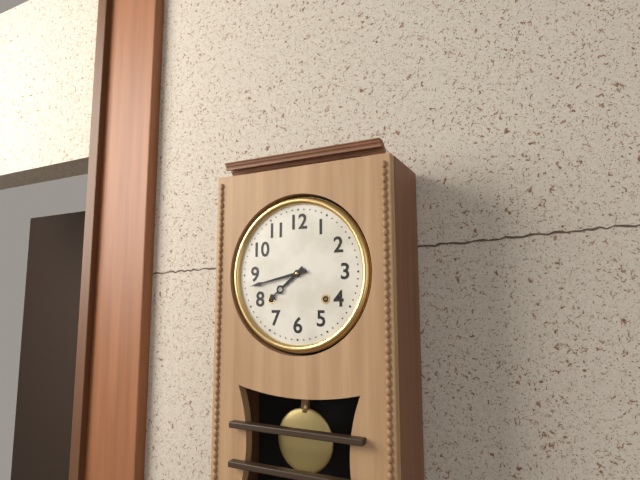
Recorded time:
h=7 m=43
